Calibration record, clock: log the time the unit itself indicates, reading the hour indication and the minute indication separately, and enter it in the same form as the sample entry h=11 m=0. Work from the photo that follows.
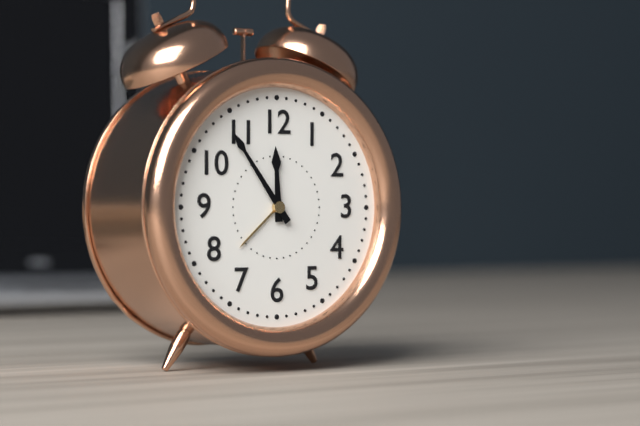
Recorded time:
h=11 m=54
